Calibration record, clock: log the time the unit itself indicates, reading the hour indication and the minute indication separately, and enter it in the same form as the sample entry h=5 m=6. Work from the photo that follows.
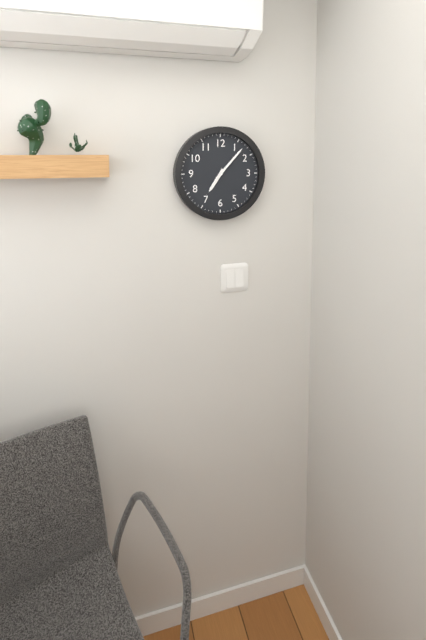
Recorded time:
h=7 m=7
